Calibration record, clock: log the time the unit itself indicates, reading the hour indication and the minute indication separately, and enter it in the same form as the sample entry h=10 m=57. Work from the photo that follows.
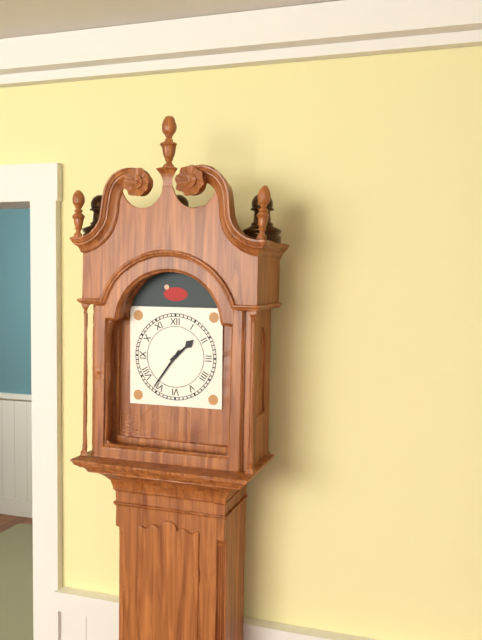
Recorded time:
h=1 m=36
